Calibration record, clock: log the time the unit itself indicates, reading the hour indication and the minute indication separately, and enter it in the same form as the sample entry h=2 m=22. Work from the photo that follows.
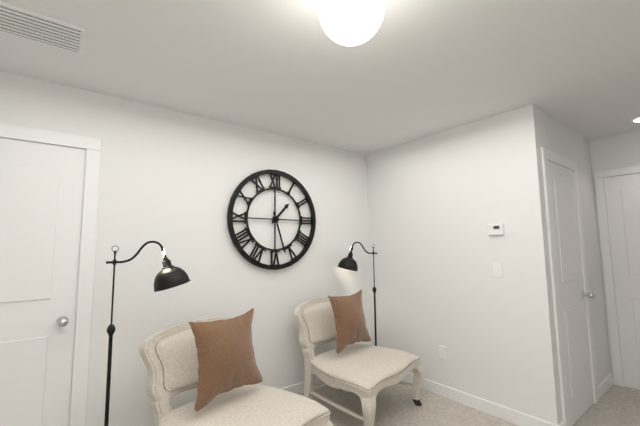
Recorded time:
h=1 m=27
